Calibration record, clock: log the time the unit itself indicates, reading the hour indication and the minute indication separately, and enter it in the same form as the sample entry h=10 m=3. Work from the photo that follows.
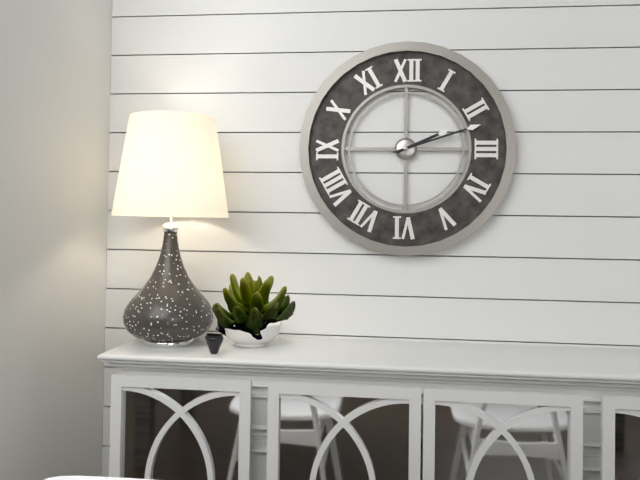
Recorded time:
h=2 m=12
